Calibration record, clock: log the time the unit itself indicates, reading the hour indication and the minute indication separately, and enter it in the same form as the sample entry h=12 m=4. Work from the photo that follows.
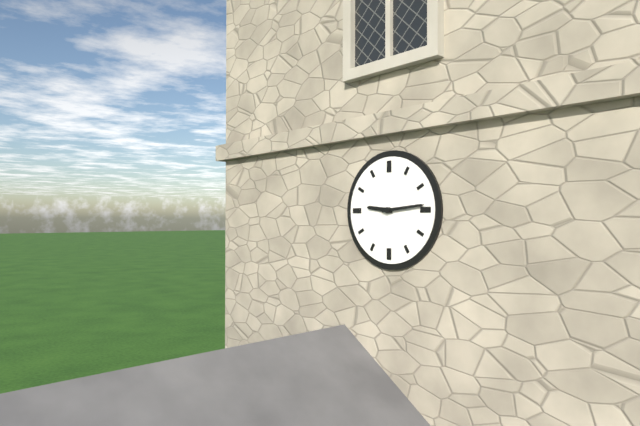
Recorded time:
h=9 m=14
